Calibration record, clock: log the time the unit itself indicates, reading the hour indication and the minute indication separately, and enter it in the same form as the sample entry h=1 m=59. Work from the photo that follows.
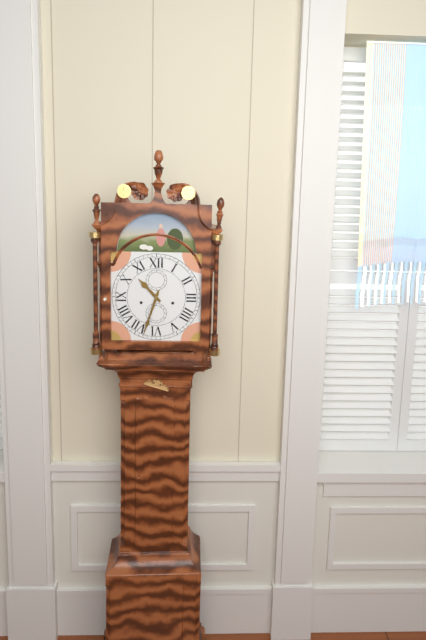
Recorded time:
h=10 m=33
